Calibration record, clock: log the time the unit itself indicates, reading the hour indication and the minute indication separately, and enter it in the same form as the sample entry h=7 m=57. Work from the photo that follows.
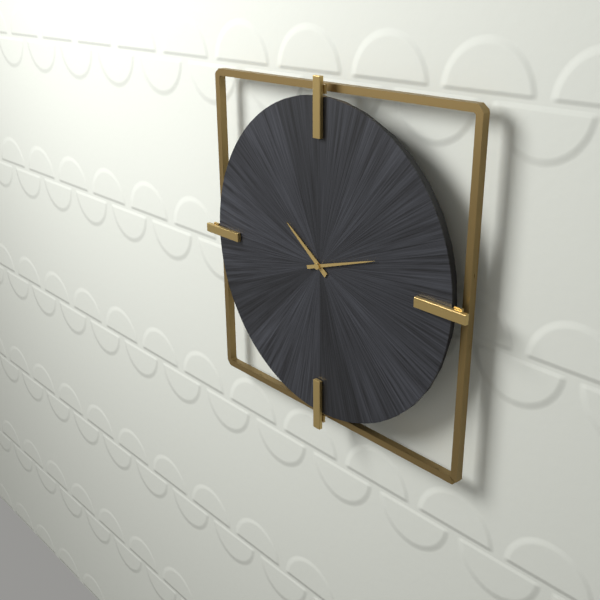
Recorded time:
h=10 m=12
